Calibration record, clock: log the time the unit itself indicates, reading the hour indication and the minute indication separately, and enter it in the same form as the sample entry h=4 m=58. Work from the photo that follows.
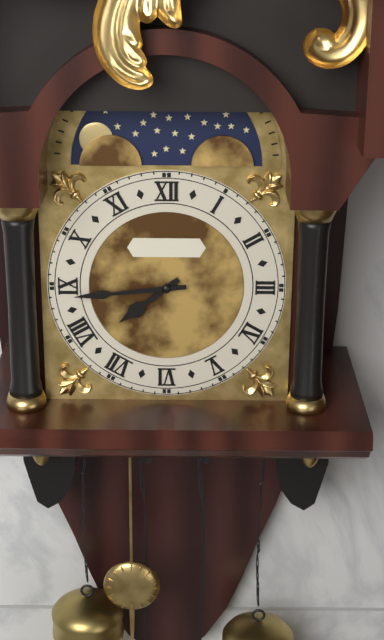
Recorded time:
h=7 m=44
